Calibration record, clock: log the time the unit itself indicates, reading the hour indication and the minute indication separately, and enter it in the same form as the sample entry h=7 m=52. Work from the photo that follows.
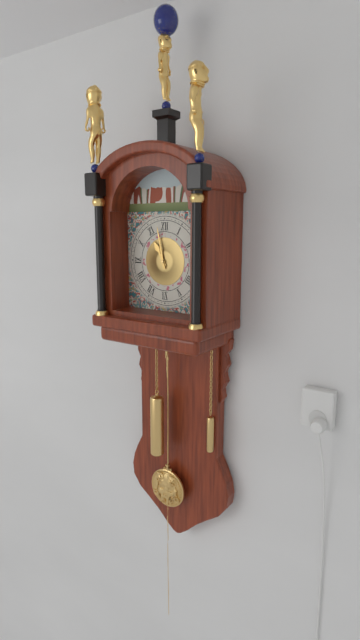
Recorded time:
h=10 m=58
